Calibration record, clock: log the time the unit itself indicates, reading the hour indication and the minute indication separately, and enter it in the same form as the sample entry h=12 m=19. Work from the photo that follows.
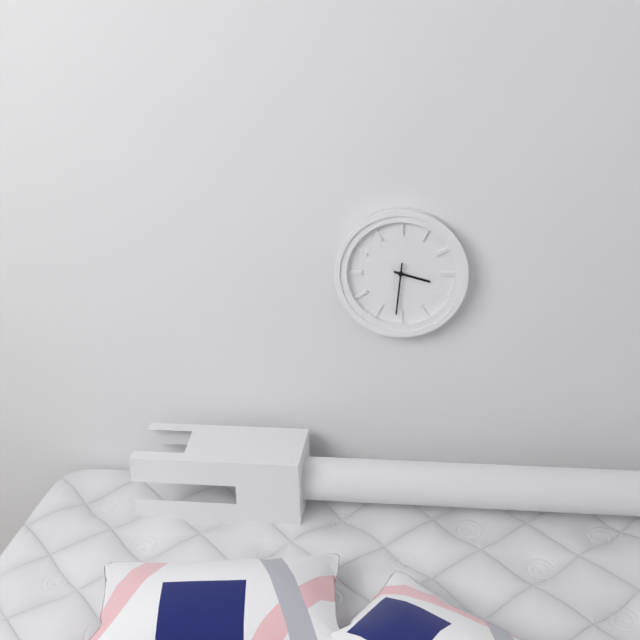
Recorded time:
h=3 m=31
